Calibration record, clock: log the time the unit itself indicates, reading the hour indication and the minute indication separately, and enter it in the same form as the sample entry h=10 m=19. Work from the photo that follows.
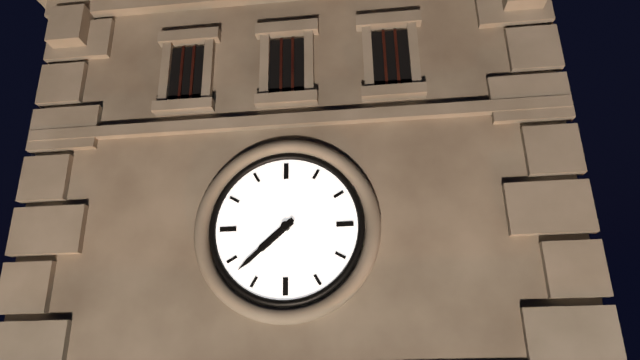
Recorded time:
h=7 m=38
